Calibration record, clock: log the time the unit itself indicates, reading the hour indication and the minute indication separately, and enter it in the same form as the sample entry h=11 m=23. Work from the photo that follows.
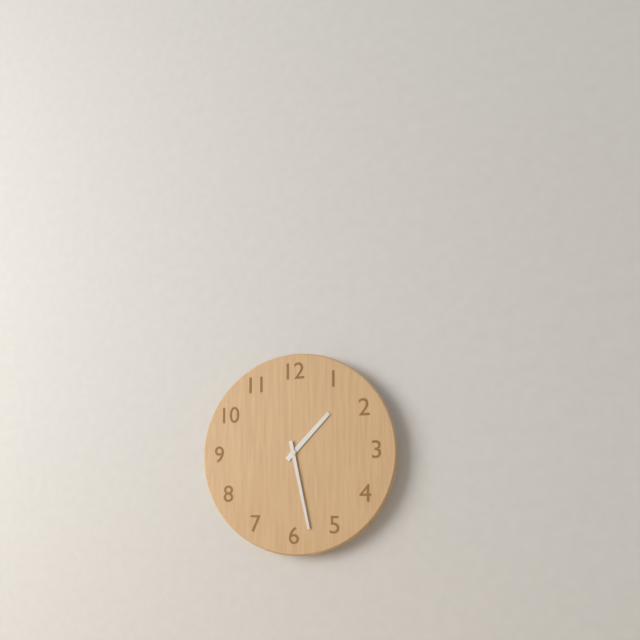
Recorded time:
h=1 m=28
